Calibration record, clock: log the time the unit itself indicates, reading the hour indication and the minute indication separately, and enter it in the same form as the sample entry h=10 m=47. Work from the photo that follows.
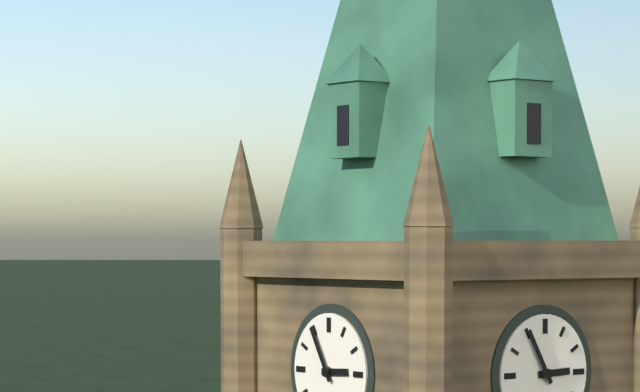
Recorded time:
h=2 m=55
